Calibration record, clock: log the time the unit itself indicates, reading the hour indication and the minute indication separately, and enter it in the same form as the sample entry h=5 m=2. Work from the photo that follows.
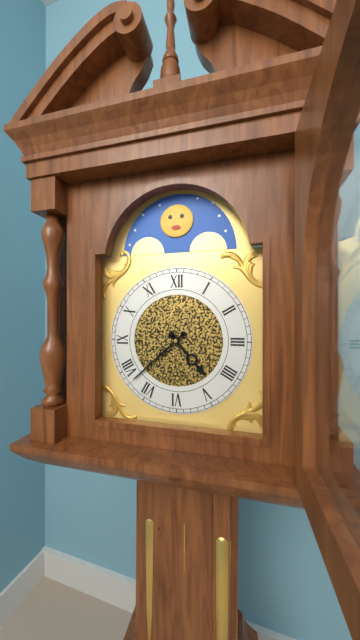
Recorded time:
h=4 m=38
